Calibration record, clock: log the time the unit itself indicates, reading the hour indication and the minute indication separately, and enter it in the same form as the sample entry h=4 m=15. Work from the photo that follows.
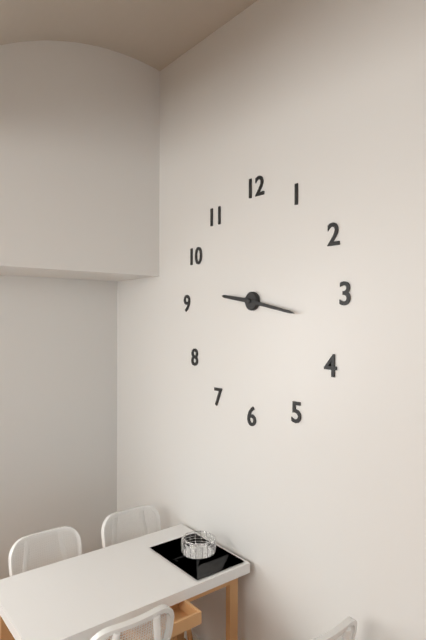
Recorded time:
h=9 m=17
